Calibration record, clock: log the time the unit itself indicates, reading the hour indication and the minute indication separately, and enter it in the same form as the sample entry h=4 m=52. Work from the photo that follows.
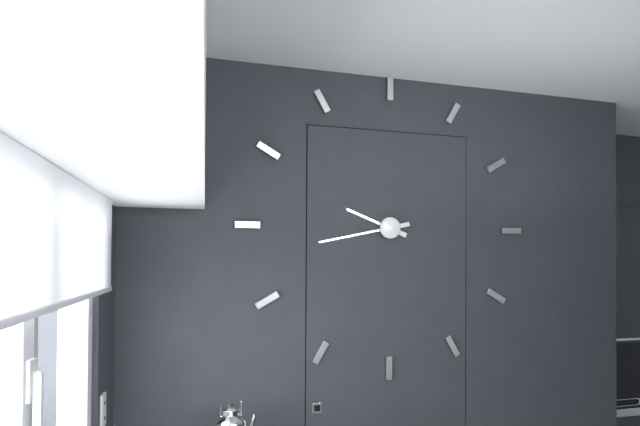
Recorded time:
h=9 m=43
